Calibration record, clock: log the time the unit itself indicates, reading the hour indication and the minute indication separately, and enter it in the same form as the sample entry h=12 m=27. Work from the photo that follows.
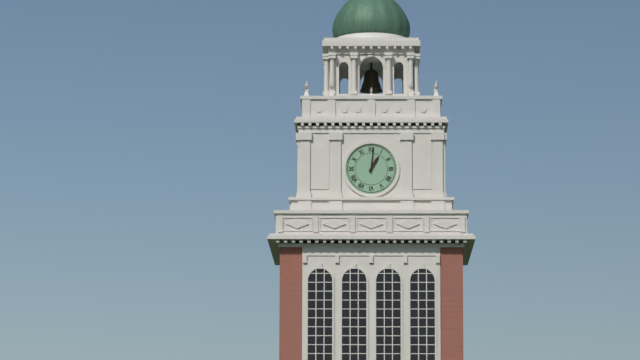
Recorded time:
h=1 m=1
